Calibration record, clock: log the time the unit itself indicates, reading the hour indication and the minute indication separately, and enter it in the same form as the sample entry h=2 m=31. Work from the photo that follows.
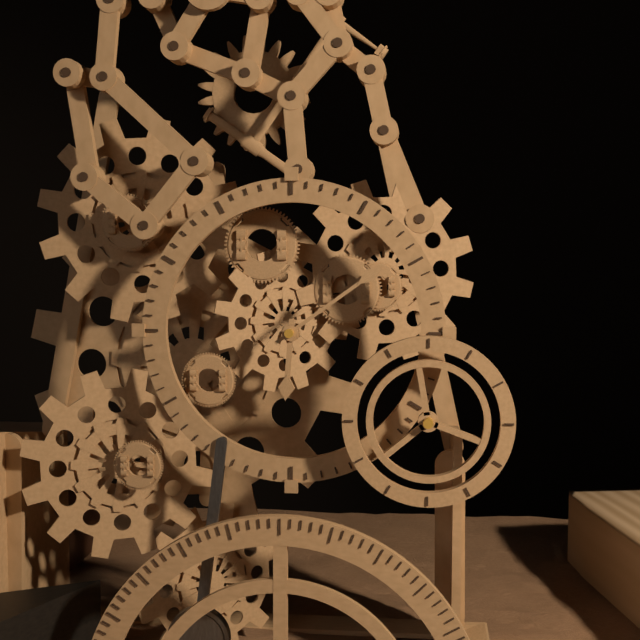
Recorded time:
h=6 m=9
